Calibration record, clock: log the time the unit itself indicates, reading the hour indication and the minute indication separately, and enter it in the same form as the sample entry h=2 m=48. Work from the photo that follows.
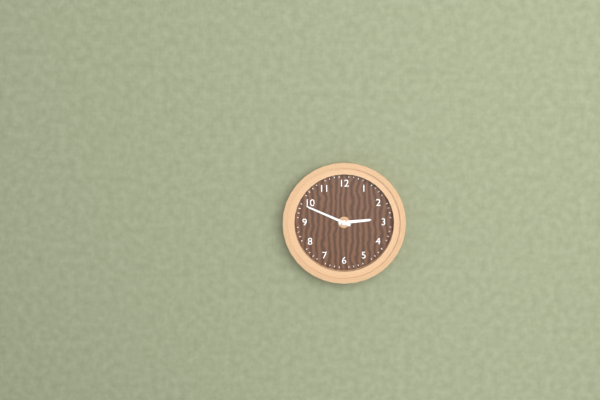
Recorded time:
h=2 m=49
